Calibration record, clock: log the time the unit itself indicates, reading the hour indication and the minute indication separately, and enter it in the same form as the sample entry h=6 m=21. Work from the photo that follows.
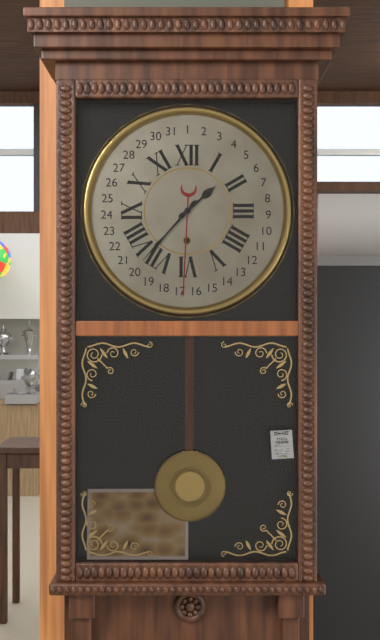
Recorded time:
h=1 m=37
